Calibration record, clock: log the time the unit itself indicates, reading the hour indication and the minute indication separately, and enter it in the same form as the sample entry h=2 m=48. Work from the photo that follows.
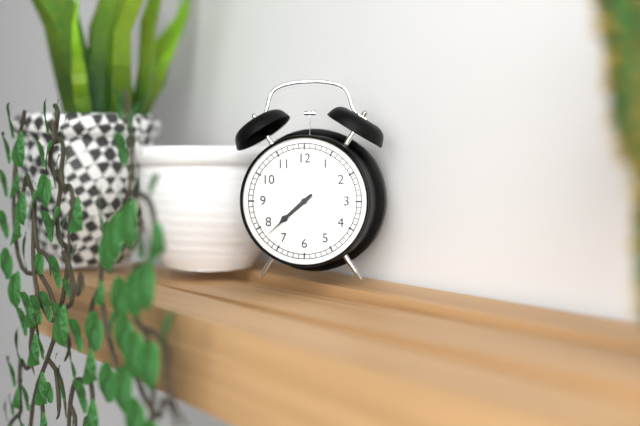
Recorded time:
h=7 m=38
